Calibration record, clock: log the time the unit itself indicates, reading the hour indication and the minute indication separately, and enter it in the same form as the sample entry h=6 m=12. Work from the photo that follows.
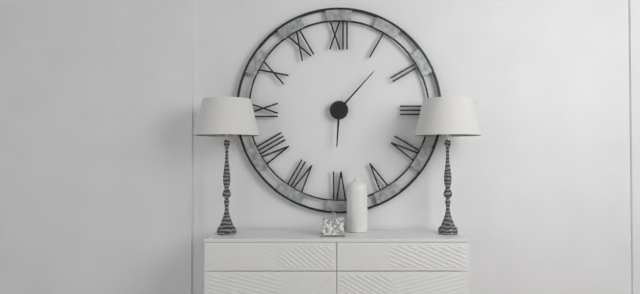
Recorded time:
h=6 m=7
